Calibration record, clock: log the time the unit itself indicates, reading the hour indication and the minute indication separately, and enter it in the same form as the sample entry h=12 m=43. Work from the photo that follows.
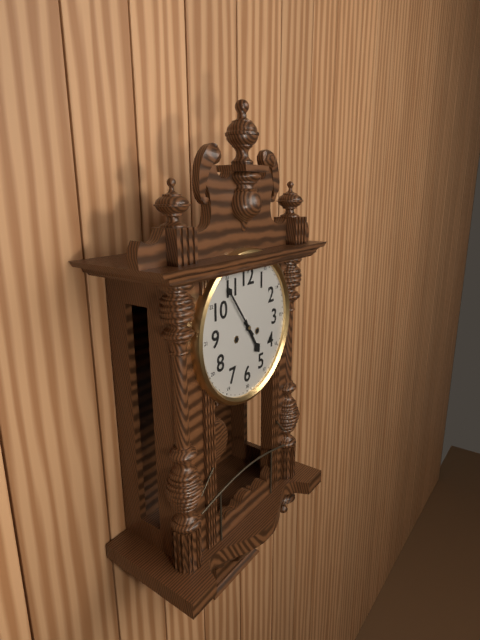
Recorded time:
h=4 m=54
